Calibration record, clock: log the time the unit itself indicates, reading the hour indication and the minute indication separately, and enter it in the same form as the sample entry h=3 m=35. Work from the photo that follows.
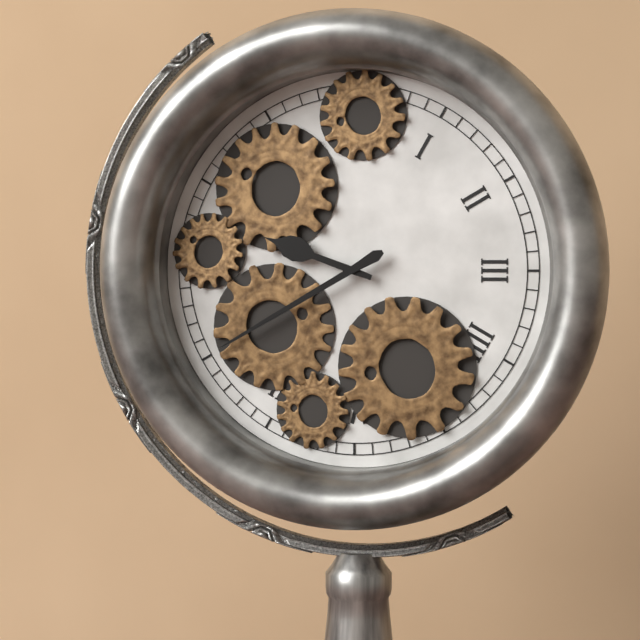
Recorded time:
h=9 m=40
